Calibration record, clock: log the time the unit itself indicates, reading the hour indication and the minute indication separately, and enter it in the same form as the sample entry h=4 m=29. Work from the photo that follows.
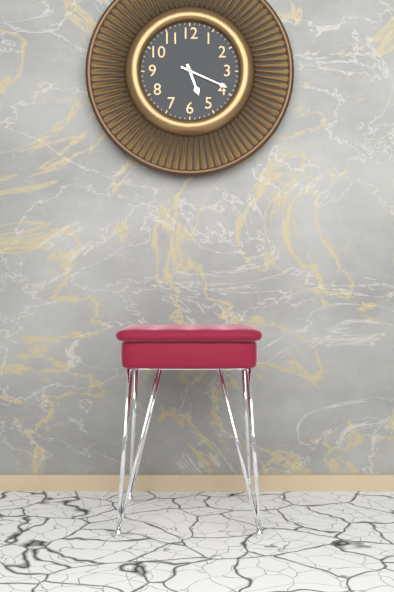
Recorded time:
h=5 m=19
